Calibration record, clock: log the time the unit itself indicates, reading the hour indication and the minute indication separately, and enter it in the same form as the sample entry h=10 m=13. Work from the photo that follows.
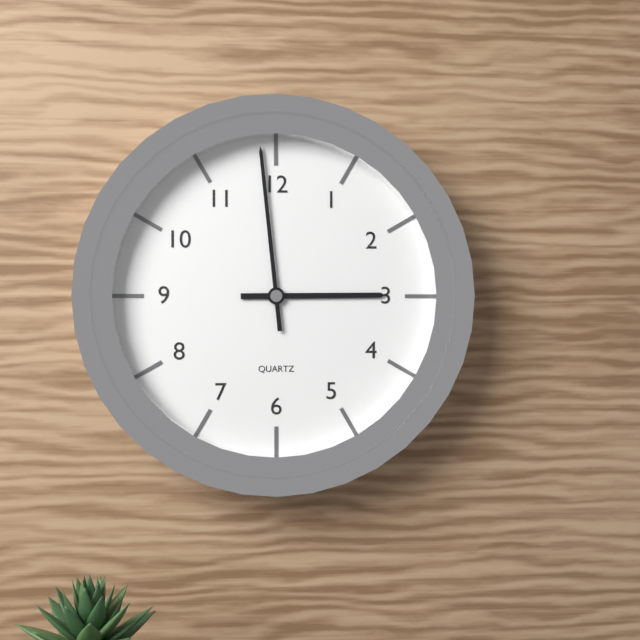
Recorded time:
h=2 m=59
